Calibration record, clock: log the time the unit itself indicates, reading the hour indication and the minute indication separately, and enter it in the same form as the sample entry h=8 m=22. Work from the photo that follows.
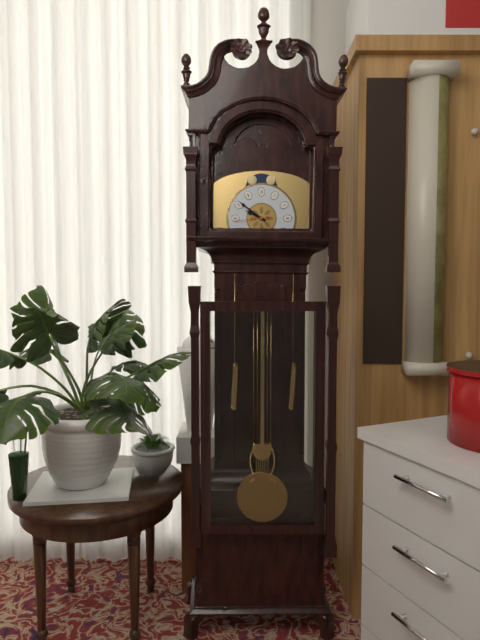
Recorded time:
h=9 m=51
